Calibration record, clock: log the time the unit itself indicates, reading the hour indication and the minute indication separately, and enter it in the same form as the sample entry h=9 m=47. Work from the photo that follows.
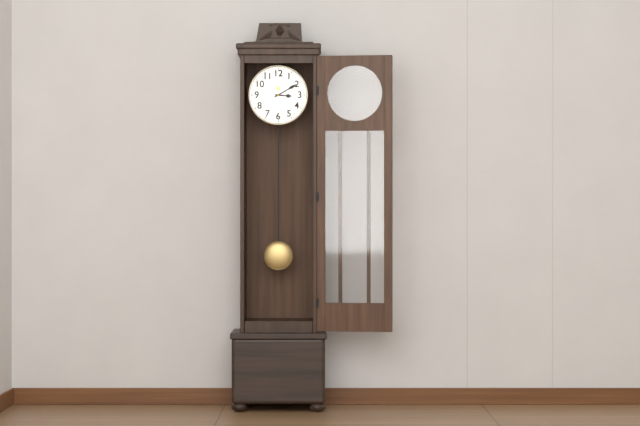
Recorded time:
h=3 m=10
